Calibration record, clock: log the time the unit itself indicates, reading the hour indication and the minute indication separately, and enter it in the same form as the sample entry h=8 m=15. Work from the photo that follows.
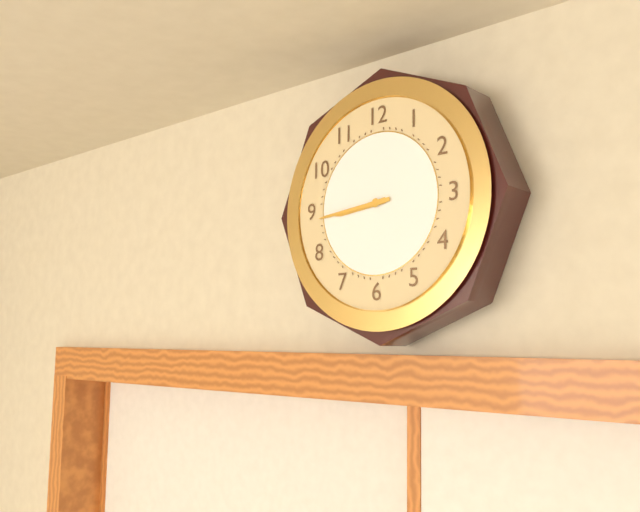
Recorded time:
h=8 m=44
